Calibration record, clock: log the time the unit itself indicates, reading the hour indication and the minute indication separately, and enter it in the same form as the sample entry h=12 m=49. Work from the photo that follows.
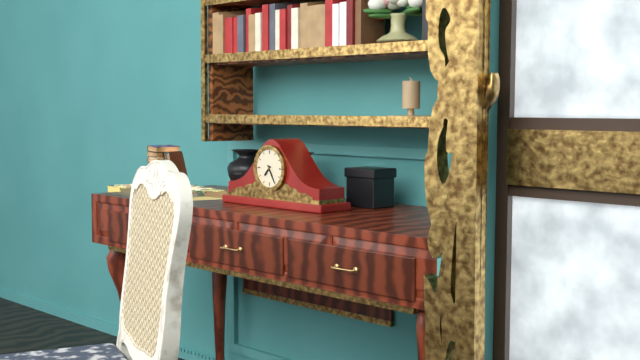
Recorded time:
h=7 m=25
